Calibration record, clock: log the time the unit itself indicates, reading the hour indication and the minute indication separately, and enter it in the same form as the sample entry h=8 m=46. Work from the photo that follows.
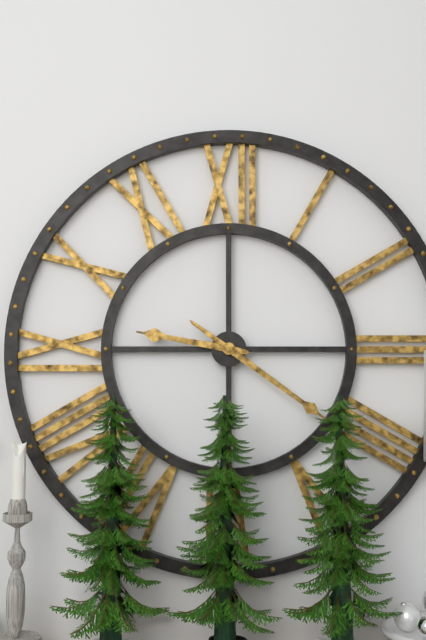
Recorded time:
h=9 m=21
